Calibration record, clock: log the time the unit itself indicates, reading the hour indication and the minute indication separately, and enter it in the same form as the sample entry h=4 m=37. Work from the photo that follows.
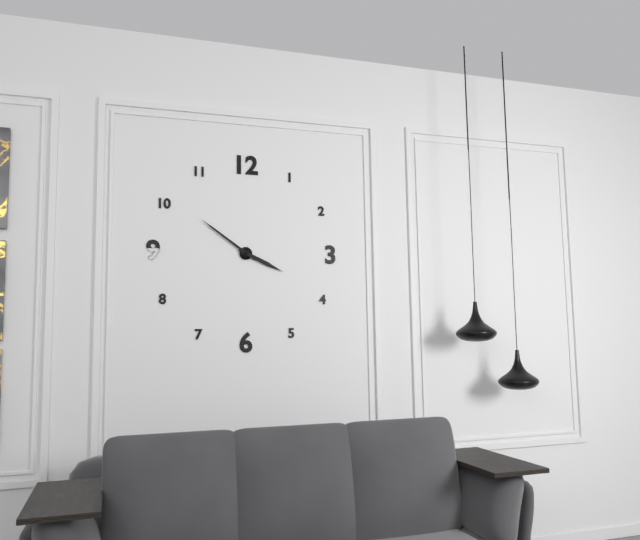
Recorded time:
h=3 m=51
